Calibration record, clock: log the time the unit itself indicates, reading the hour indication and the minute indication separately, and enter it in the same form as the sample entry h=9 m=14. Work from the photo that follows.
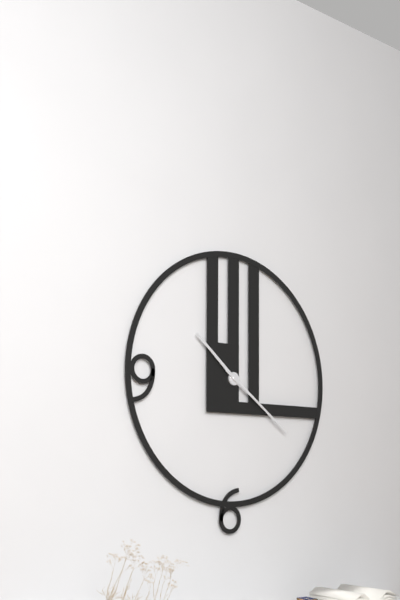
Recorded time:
h=10 m=21
